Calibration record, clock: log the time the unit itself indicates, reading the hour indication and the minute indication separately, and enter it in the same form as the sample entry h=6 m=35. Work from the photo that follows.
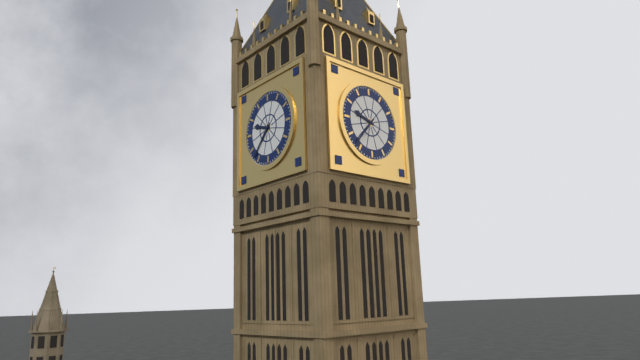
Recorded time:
h=9 m=37
